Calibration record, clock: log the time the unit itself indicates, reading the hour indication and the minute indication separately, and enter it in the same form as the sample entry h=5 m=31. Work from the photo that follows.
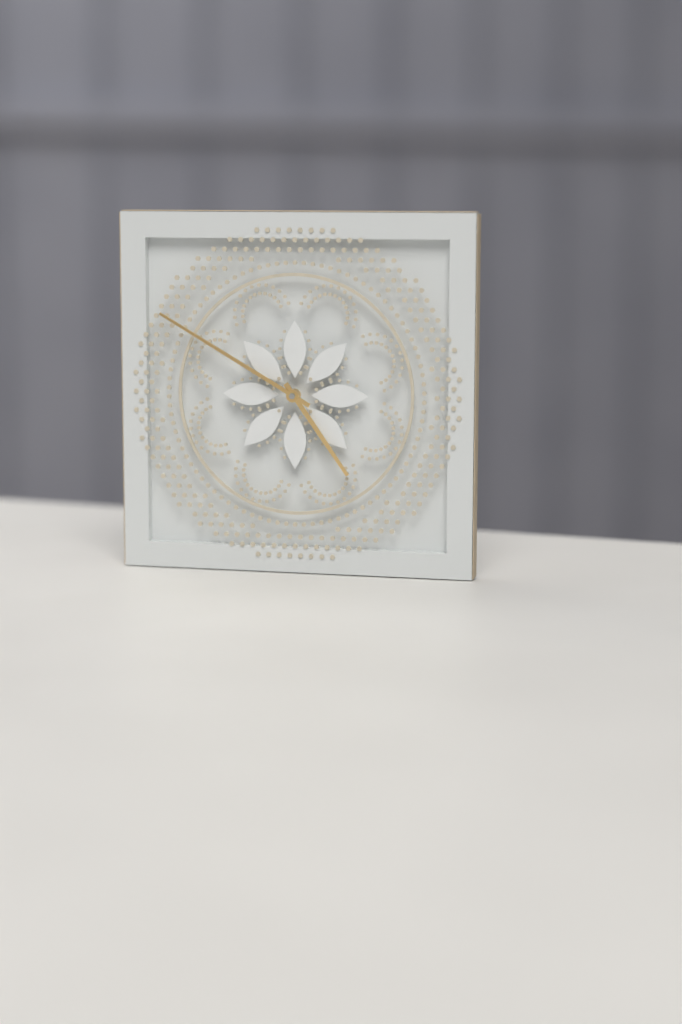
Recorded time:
h=4 m=50
